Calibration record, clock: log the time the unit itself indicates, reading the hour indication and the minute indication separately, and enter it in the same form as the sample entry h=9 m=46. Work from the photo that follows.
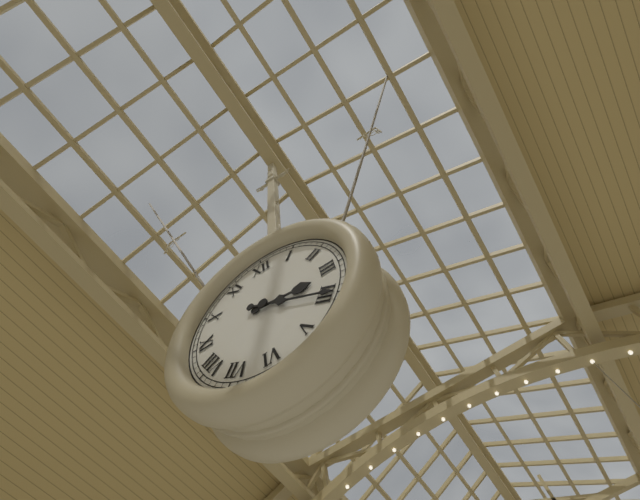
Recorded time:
h=3 m=20
